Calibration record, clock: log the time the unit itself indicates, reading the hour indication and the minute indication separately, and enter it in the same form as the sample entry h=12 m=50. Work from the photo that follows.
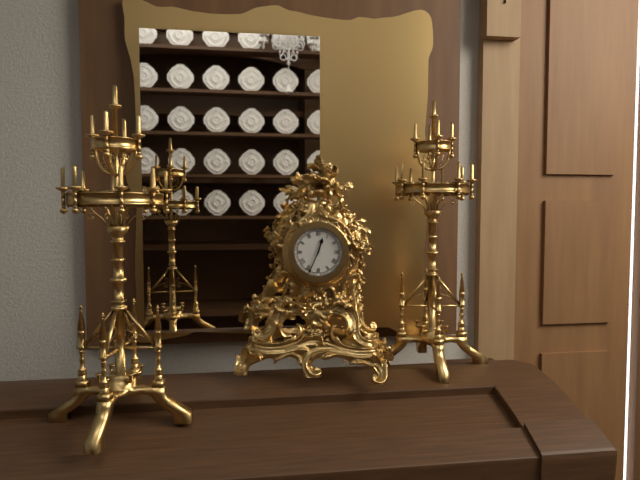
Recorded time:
h=12 m=34
